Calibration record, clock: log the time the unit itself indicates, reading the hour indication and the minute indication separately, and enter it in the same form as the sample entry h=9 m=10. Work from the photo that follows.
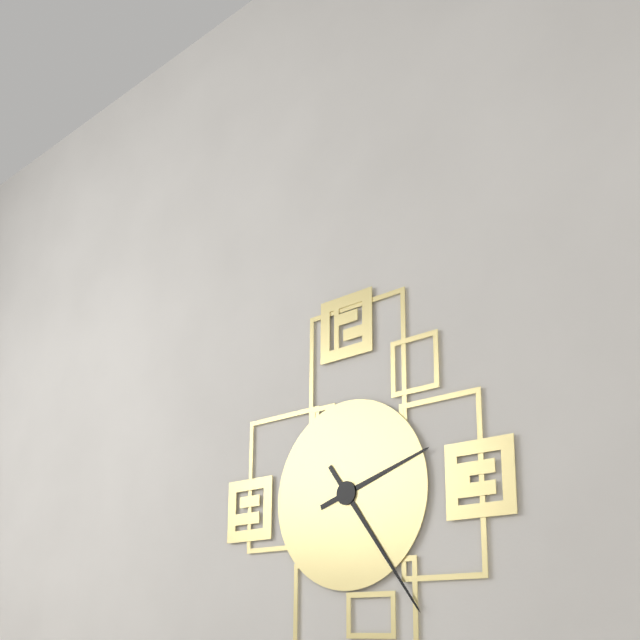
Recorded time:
h=2 m=24
